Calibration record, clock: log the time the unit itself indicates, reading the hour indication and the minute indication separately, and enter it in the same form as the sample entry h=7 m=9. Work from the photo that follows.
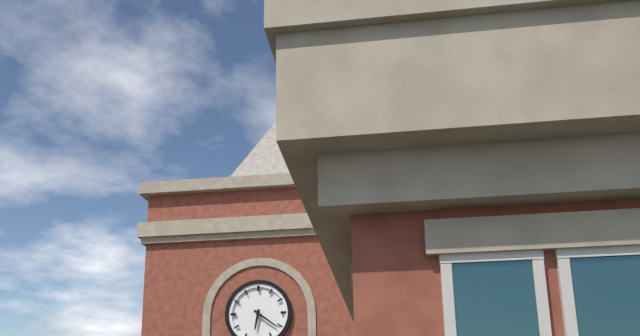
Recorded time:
h=6 m=21
